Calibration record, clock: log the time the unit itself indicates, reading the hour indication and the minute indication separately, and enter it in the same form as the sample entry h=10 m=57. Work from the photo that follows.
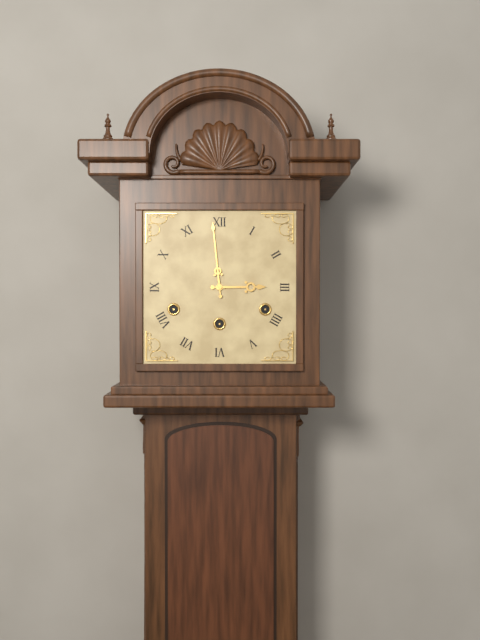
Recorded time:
h=2 m=59
